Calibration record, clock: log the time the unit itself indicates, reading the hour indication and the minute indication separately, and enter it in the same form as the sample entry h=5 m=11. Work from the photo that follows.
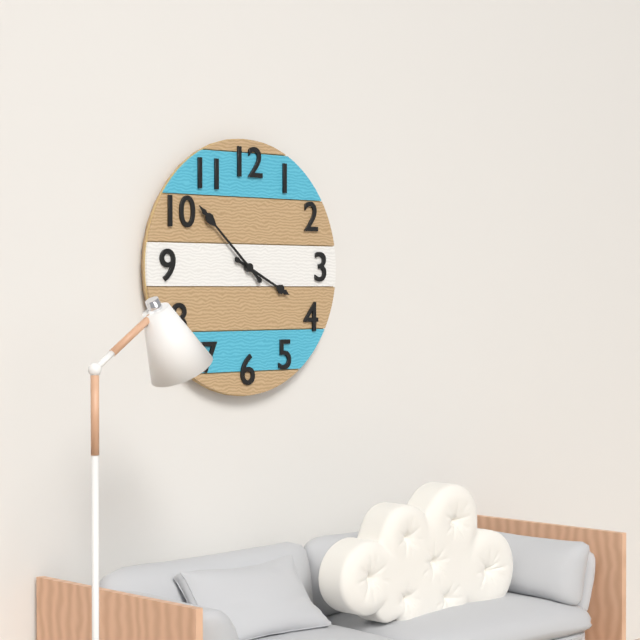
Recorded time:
h=3 m=52
